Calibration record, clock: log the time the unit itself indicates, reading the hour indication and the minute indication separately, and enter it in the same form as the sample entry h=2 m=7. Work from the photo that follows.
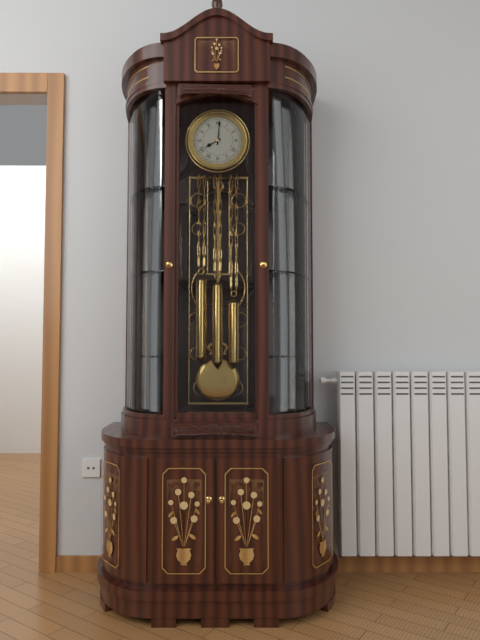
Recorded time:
h=8 m=1
